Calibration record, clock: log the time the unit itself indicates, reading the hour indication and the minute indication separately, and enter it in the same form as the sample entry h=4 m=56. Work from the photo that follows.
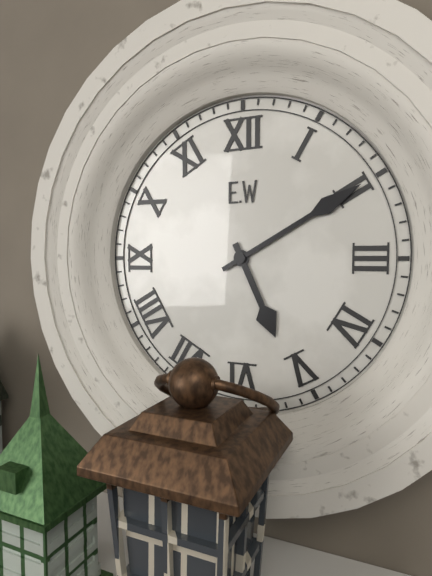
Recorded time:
h=5 m=10
